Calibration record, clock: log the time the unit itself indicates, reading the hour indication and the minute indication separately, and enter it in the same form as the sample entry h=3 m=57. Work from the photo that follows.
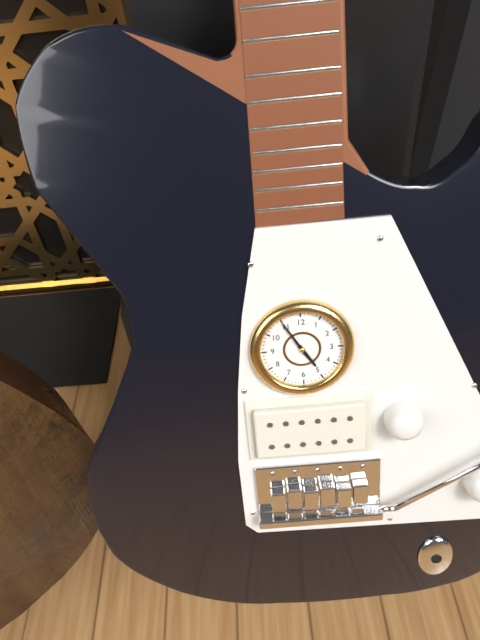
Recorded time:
h=4 m=55
